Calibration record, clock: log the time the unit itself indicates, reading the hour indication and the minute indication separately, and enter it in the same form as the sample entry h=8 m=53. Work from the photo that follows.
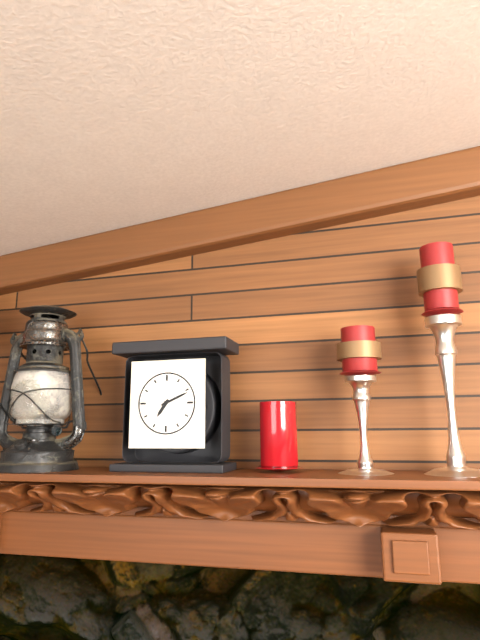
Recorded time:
h=7 m=11
